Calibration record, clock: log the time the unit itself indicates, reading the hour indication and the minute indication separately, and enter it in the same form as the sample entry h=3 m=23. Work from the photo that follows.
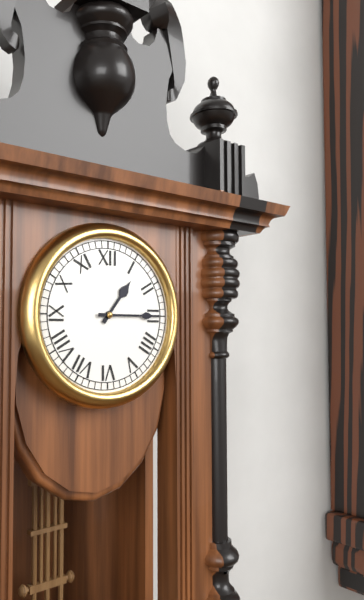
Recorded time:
h=1 m=15
